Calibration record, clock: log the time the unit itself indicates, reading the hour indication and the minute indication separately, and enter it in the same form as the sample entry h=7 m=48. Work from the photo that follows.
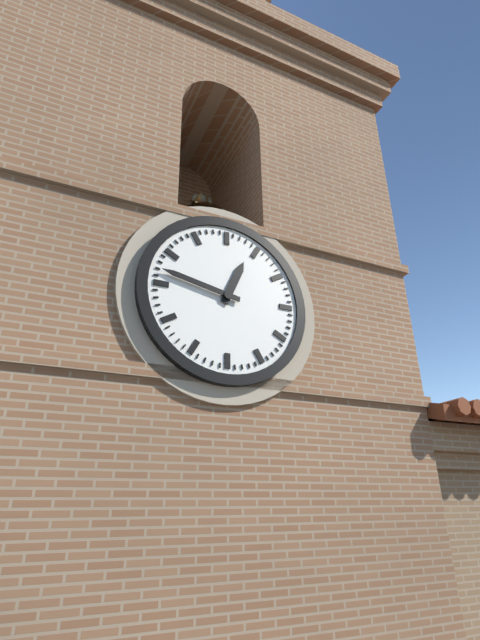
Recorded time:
h=12 m=47
